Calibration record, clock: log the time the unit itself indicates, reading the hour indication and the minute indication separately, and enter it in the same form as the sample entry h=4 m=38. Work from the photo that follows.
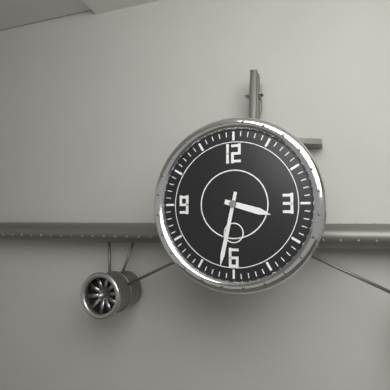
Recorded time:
h=3 m=32
